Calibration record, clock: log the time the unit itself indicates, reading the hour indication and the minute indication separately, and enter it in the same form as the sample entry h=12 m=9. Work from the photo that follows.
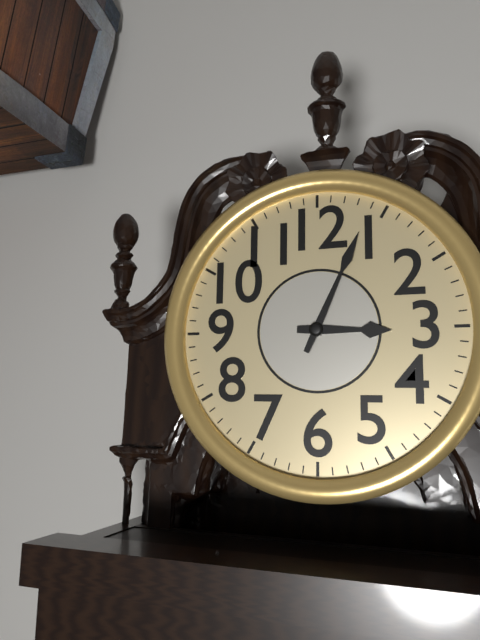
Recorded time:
h=3 m=4
